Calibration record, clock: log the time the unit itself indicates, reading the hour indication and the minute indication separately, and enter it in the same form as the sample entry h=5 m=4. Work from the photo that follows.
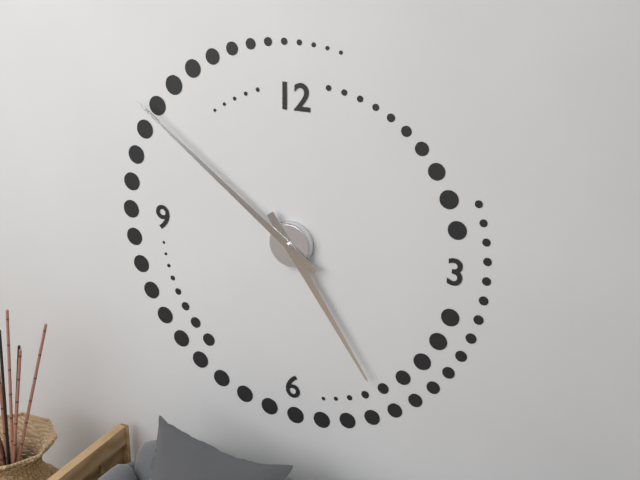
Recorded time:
h=4 m=51
